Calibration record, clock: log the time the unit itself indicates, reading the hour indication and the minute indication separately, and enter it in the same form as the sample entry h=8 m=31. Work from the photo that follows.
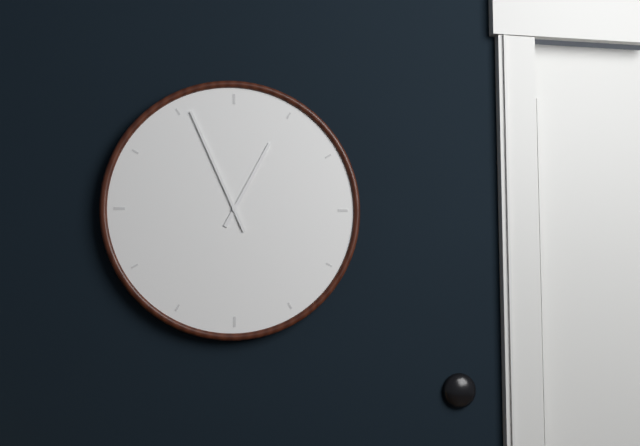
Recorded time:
h=12 m=56
